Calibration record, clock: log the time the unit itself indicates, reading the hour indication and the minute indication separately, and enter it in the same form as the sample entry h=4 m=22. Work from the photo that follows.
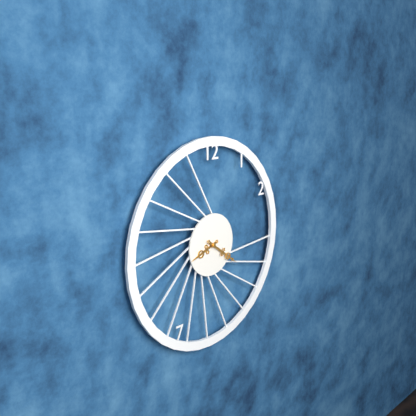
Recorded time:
h=8 m=21
